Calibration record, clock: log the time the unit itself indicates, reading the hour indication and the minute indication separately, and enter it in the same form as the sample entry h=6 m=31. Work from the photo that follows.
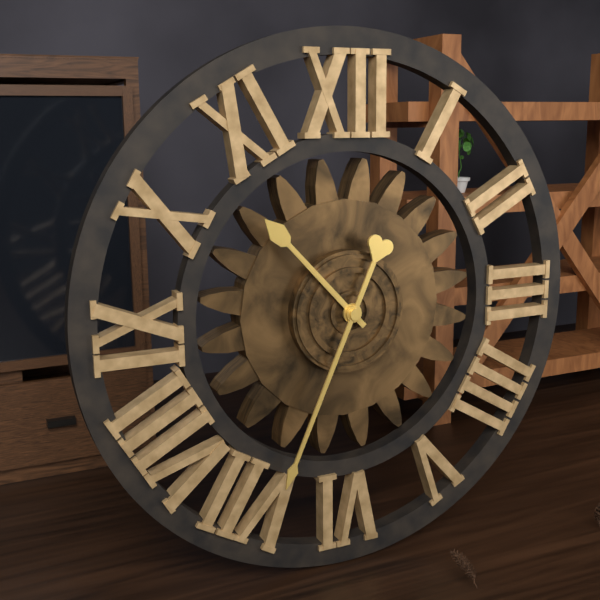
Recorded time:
h=10 m=34
